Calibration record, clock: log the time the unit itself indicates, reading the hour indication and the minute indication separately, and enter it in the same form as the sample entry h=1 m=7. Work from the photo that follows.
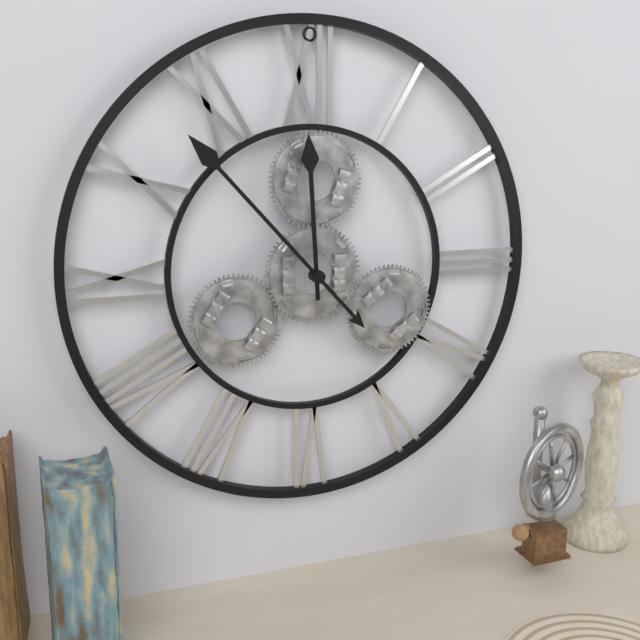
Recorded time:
h=11 m=53
